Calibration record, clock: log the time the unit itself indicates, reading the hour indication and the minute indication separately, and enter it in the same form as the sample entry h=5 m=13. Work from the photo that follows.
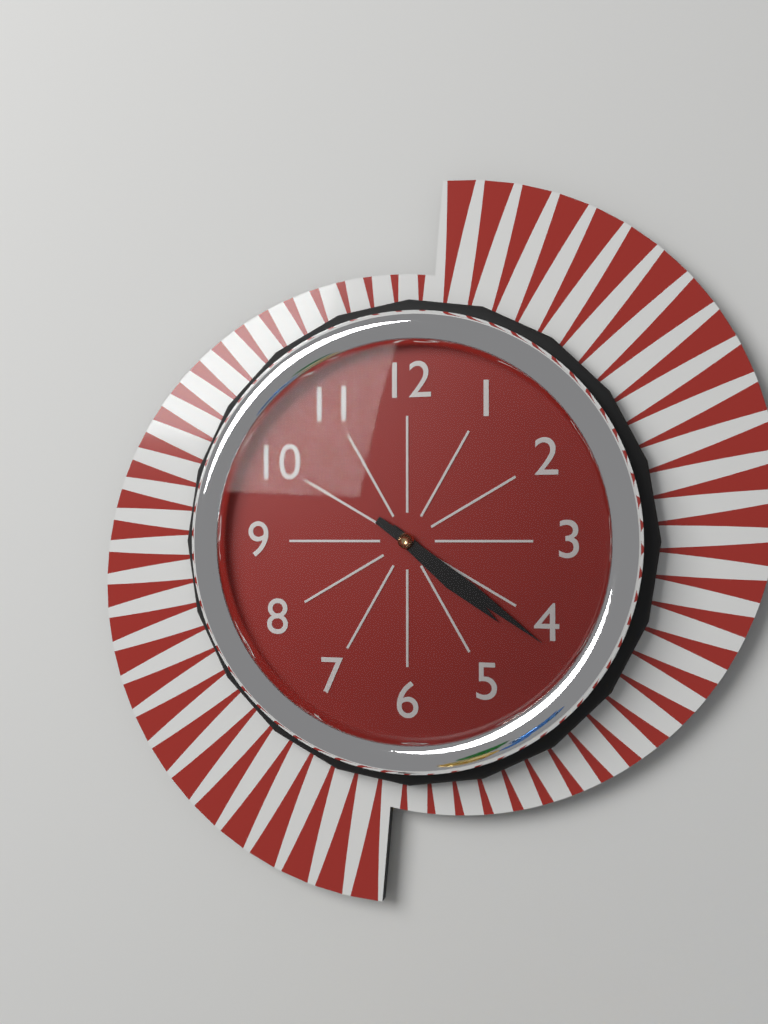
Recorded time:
h=4 m=21
